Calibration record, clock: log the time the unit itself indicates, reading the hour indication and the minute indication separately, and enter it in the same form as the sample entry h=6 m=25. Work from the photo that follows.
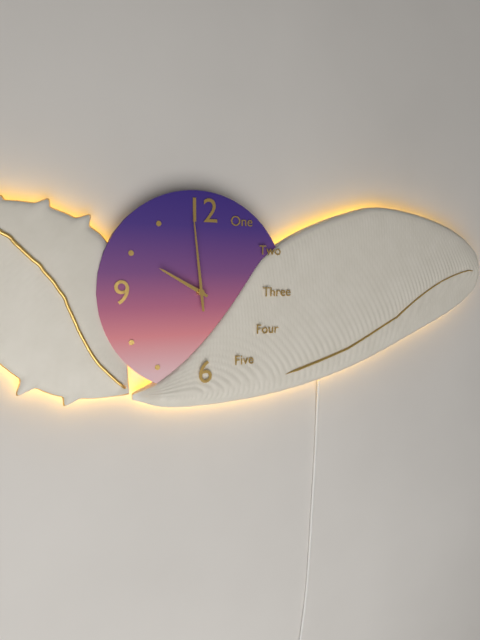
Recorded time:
h=9 m=59
